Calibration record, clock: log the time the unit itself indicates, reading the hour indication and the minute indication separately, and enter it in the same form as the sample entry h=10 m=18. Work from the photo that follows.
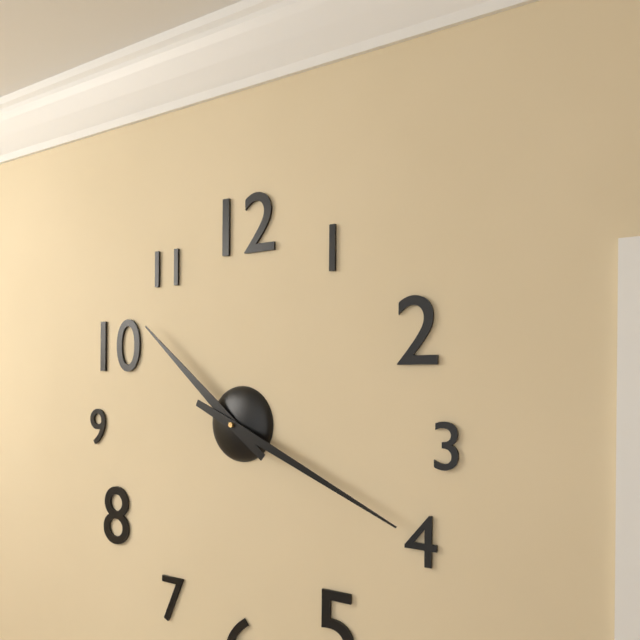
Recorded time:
h=10 m=19
